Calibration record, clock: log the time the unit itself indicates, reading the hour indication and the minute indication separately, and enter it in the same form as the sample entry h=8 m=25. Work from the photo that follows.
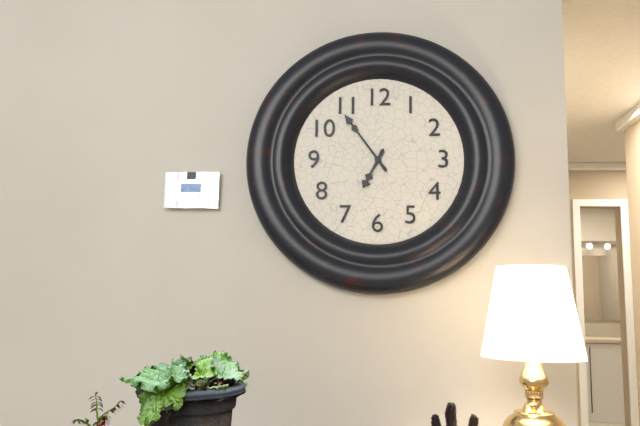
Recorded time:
h=6 m=54
